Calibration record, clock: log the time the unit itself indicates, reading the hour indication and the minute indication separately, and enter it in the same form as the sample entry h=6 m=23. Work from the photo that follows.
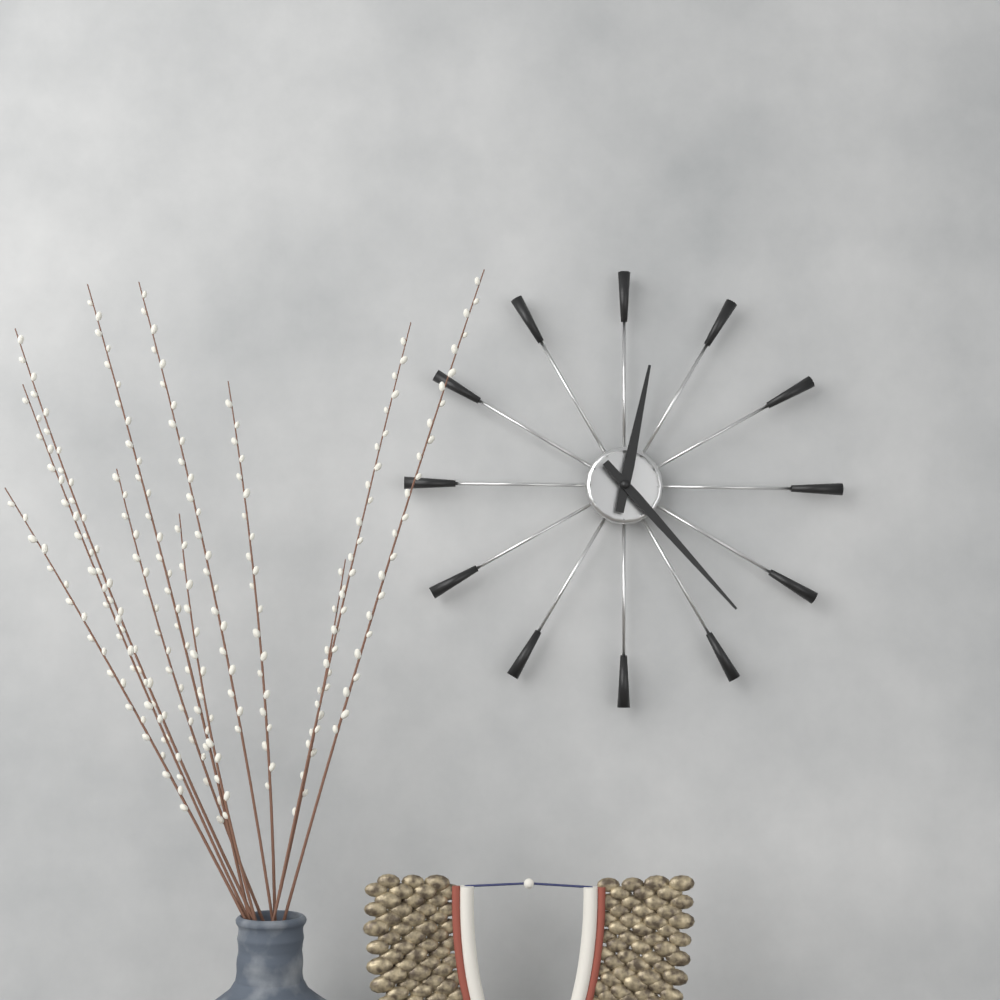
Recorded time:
h=12 m=23
